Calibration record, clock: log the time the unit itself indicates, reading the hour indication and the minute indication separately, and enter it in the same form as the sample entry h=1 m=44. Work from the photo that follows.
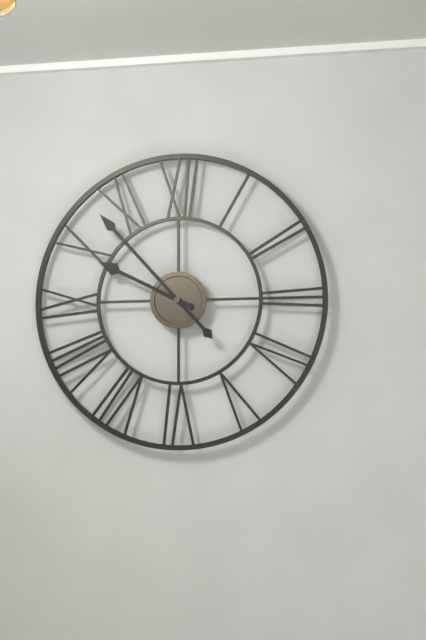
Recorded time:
h=9 m=53
